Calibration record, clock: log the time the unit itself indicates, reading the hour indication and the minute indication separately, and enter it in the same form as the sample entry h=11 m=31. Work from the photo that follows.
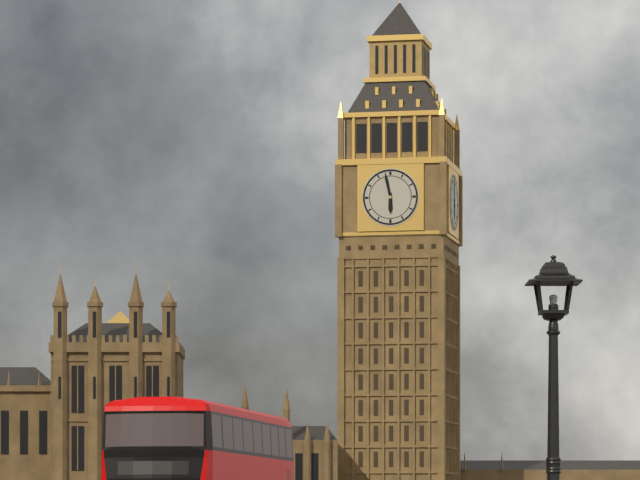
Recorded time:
h=5 m=58
